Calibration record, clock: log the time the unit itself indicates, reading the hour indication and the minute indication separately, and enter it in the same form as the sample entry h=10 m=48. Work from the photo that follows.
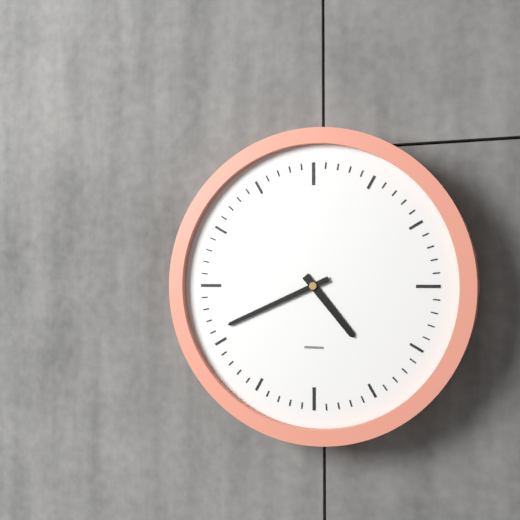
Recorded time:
h=4 m=41
